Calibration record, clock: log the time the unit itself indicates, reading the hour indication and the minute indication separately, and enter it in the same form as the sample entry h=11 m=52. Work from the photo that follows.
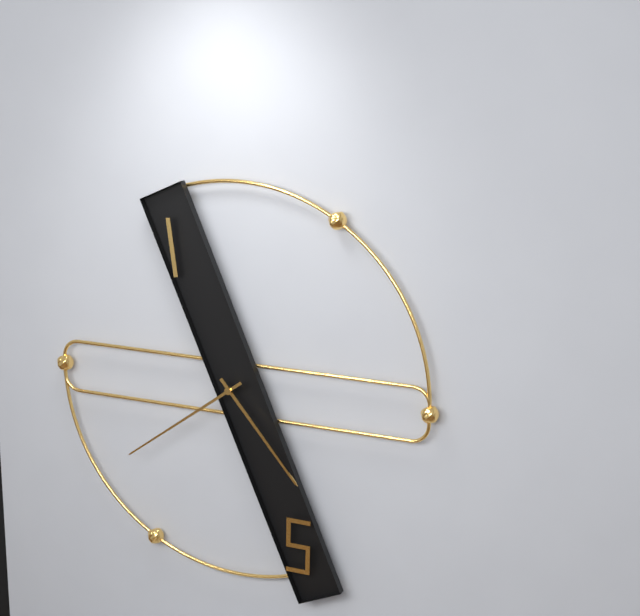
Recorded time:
h=4 m=39
